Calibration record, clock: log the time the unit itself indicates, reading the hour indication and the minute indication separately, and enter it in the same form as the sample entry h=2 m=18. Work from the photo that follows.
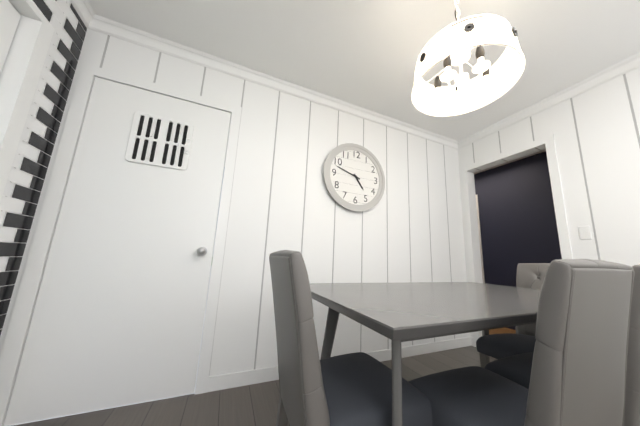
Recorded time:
h=4 m=48
